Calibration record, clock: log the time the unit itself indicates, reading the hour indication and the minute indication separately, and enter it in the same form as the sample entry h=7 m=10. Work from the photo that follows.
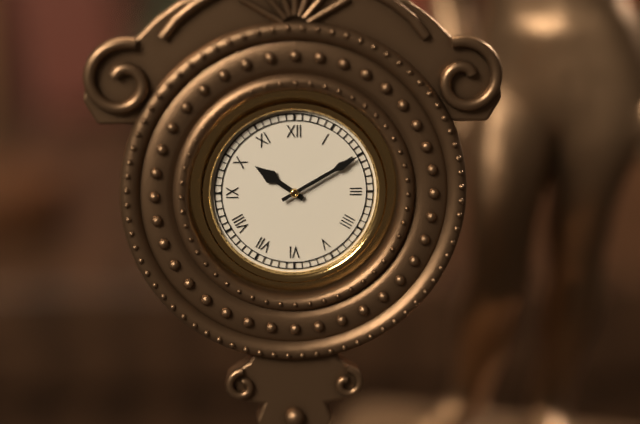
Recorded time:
h=10 m=10
